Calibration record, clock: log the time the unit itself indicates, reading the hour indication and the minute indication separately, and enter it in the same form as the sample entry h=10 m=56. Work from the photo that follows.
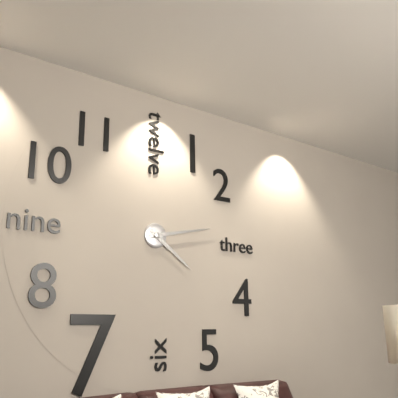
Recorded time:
h=4 m=13
